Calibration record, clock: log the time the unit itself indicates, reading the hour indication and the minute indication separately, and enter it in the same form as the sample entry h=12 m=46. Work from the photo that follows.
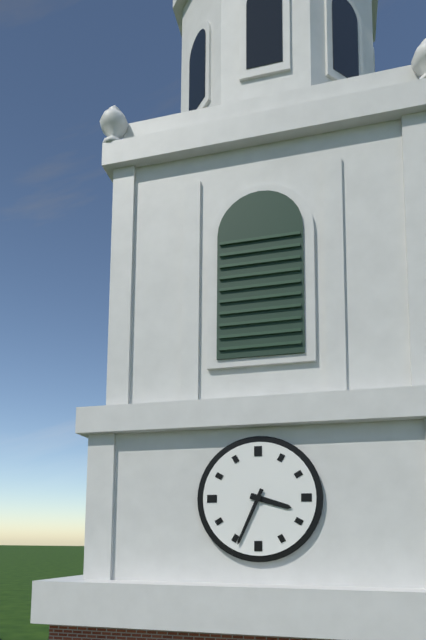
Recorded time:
h=3 m=34
